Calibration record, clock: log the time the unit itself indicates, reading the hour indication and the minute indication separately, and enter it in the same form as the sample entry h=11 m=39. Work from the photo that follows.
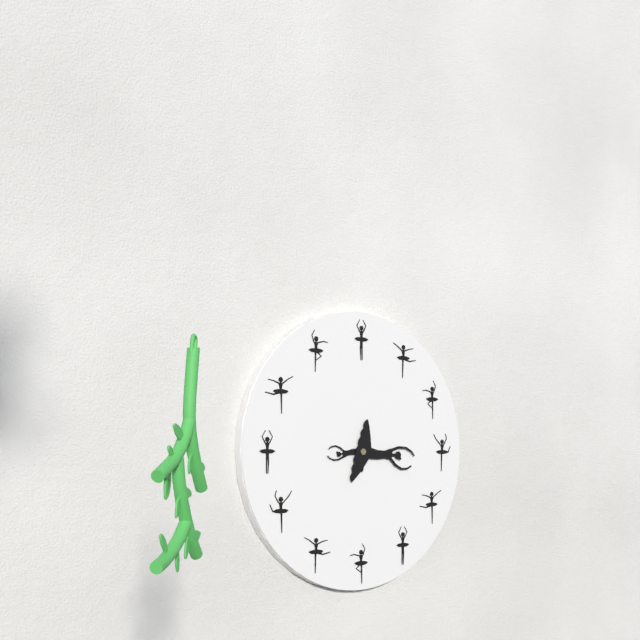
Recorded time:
h=9 m=18
